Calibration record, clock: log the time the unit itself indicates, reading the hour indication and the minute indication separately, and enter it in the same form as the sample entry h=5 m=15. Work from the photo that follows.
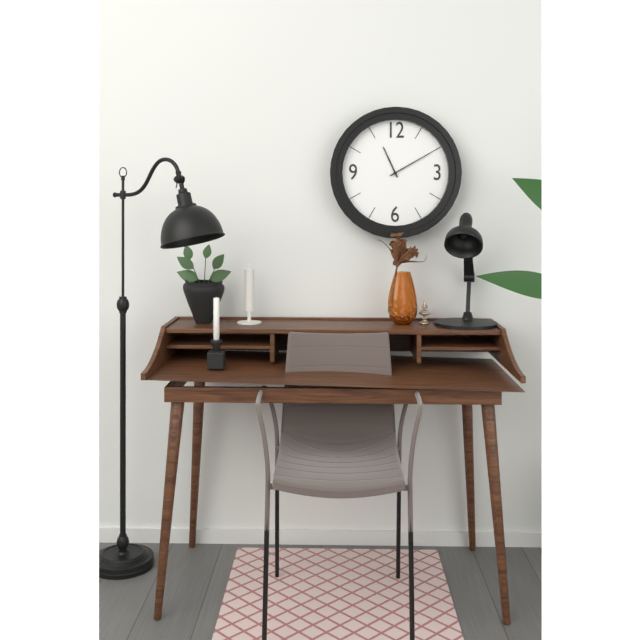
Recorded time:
h=11 m=10
